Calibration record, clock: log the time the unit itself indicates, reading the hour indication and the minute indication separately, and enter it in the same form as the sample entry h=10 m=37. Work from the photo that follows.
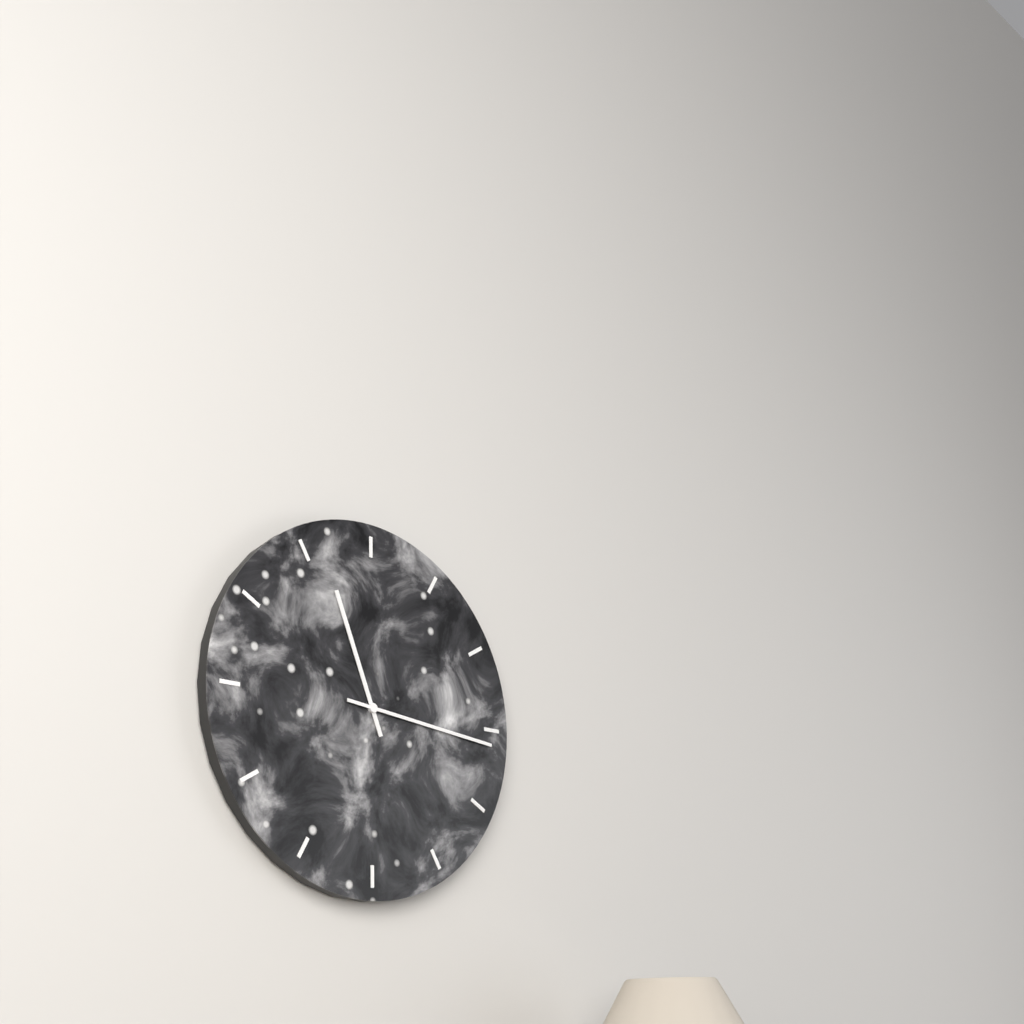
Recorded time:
h=11 m=16
